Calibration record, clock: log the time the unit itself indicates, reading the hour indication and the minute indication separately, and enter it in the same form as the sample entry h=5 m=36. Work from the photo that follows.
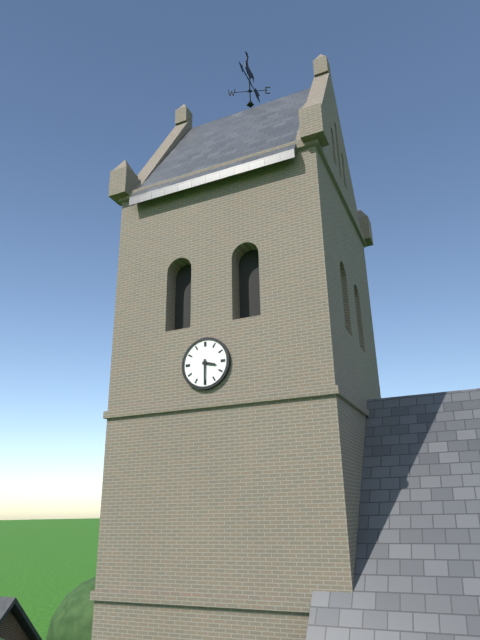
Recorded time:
h=3 m=30
